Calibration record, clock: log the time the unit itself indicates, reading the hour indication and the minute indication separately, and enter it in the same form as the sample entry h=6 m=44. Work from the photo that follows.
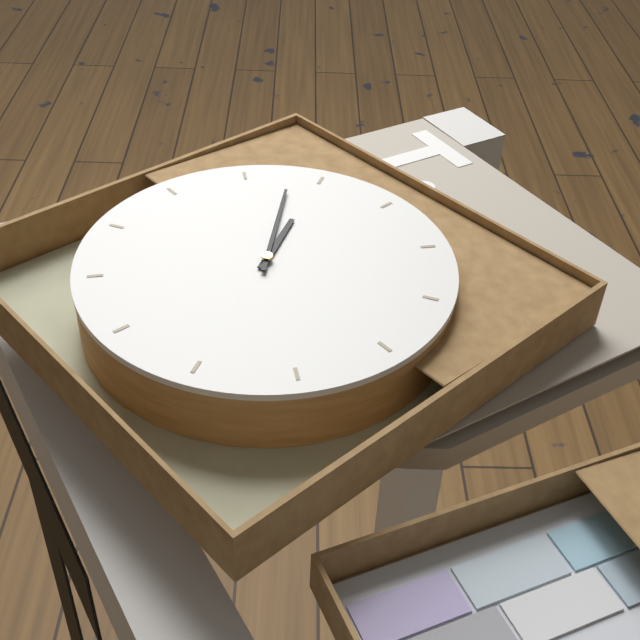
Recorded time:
h=11 m=58
